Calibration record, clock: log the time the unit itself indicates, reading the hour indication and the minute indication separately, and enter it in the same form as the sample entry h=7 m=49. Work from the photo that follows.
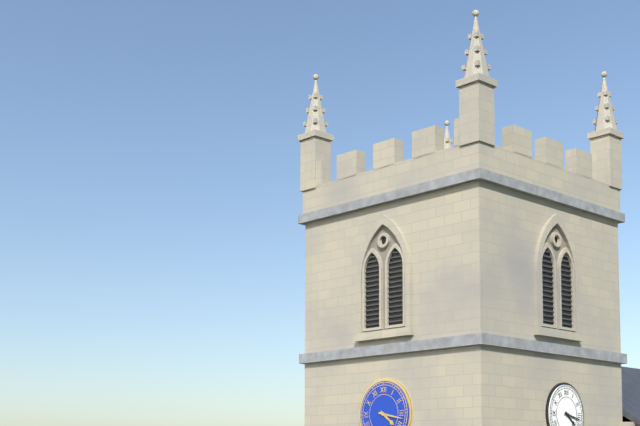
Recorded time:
h=4 m=17
